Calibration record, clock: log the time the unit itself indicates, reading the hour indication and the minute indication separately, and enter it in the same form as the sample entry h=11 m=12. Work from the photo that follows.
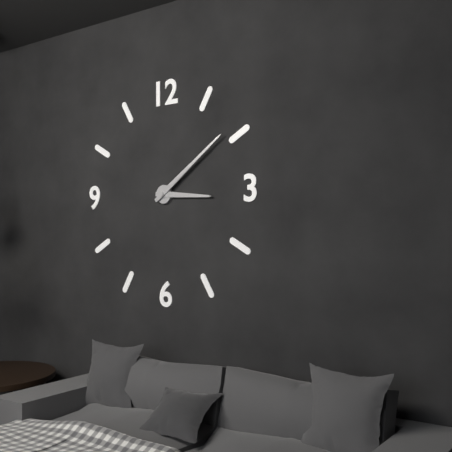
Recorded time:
h=3 m=9
